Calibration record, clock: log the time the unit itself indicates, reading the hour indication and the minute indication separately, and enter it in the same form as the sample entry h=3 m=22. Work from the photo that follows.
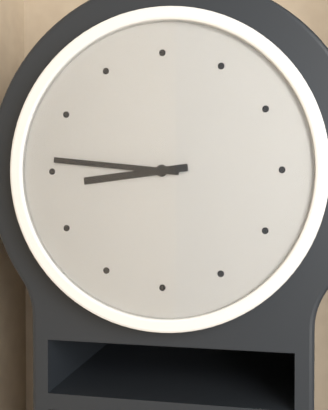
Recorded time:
h=8 m=46
